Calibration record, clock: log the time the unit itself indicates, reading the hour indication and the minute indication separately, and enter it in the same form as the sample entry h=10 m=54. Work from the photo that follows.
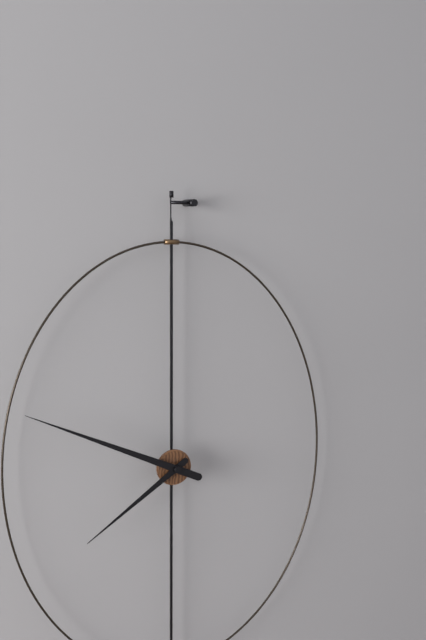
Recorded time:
h=7 m=49
